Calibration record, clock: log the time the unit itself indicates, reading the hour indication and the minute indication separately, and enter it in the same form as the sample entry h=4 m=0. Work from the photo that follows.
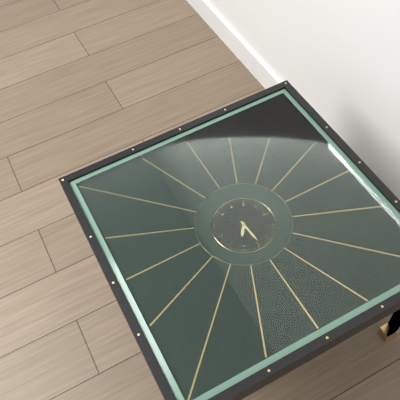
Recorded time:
h=4 m=14
